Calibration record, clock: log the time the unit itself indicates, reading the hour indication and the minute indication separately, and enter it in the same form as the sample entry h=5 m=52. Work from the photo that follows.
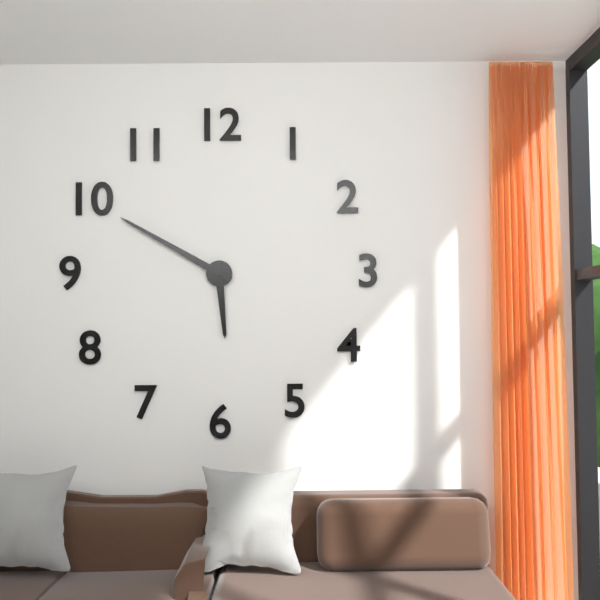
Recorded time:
h=5 m=50
